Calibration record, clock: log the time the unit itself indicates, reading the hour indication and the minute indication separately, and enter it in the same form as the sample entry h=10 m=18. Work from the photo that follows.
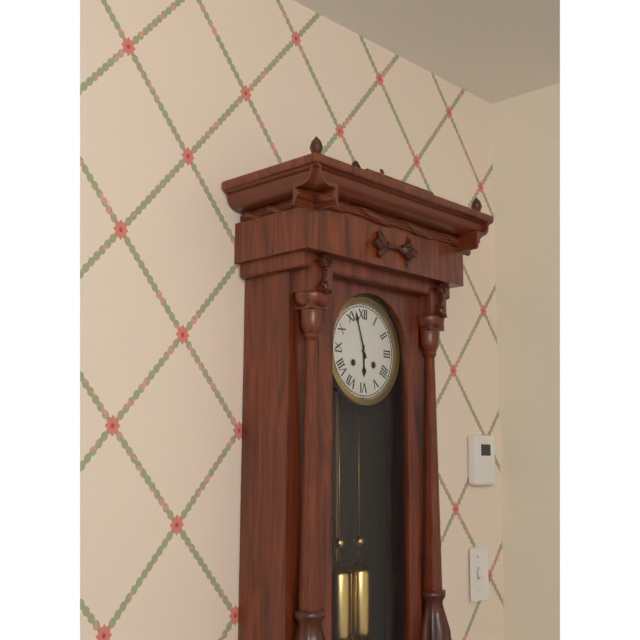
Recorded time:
h=5 m=57
